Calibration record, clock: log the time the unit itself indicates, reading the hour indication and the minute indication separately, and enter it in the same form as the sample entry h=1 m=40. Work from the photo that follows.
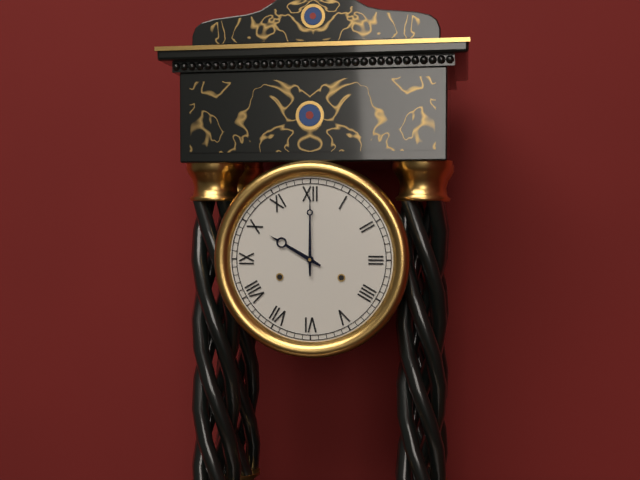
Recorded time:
h=10 m=0
